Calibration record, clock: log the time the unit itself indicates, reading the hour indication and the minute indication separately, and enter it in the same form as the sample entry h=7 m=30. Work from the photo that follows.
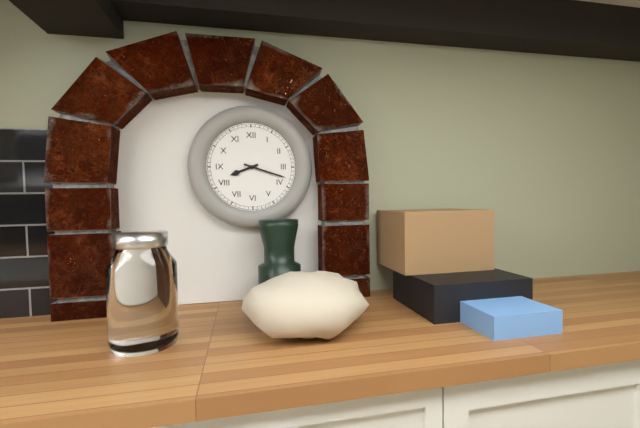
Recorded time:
h=8 m=18
